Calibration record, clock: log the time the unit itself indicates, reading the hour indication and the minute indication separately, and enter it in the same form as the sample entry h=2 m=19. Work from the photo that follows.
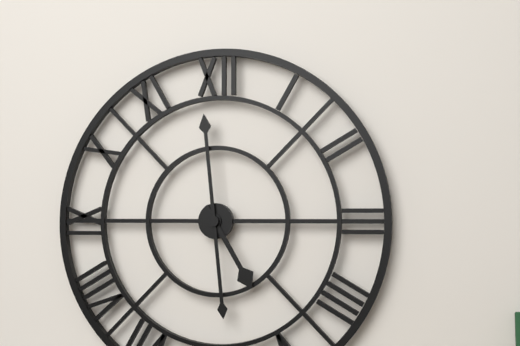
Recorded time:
h=4 m=59
